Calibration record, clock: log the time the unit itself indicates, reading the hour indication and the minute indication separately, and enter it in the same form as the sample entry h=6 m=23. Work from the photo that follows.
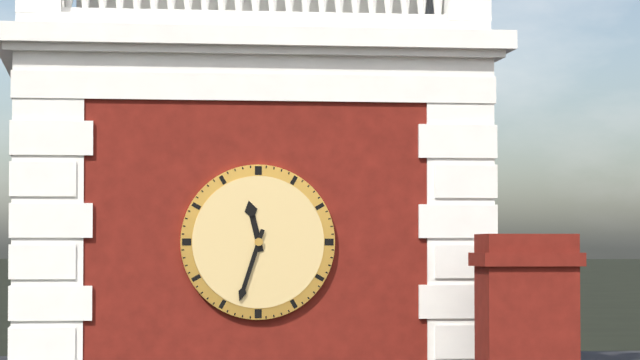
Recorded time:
h=11 m=33
